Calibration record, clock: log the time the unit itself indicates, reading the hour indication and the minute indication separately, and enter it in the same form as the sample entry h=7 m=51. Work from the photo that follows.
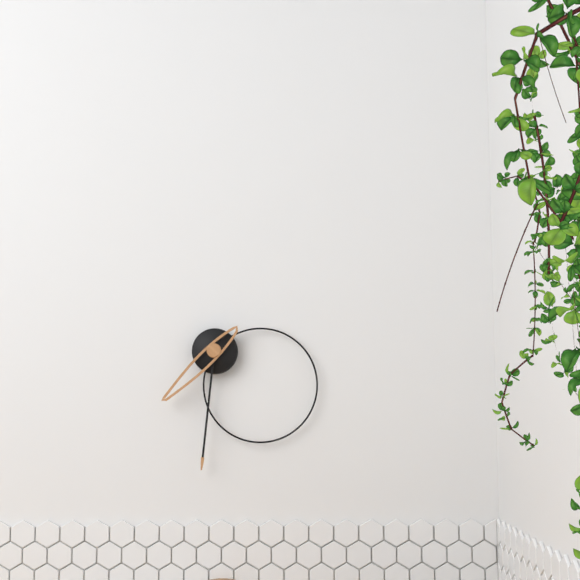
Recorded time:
h=7 m=31
